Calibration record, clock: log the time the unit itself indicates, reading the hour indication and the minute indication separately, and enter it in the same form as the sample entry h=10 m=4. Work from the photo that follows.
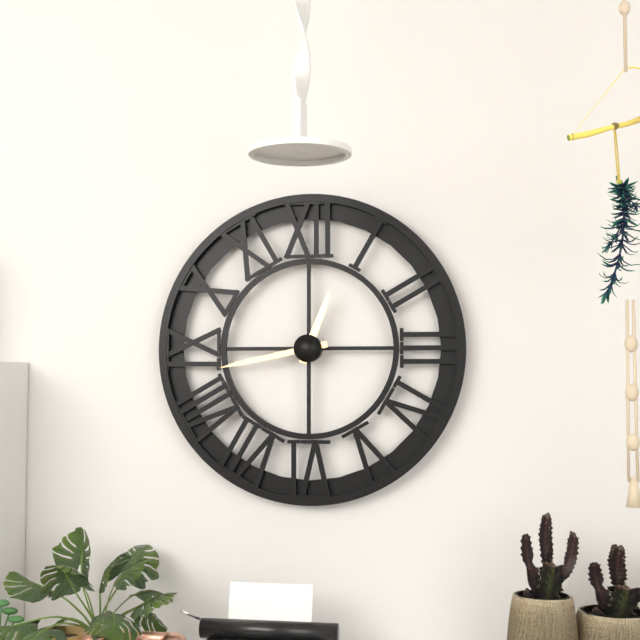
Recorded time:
h=12 m=43
